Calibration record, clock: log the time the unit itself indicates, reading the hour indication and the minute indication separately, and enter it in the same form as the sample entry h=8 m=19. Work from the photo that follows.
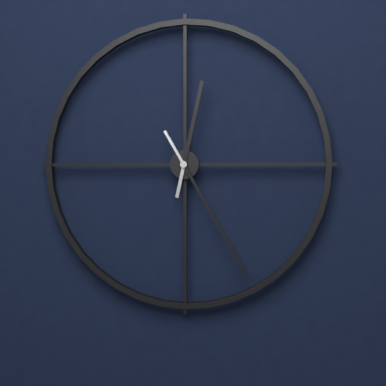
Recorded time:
h=12 m=25
